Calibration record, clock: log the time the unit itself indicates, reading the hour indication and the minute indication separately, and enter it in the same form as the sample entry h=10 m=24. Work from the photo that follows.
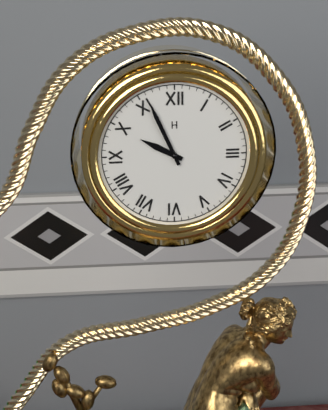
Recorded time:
h=9 m=56
